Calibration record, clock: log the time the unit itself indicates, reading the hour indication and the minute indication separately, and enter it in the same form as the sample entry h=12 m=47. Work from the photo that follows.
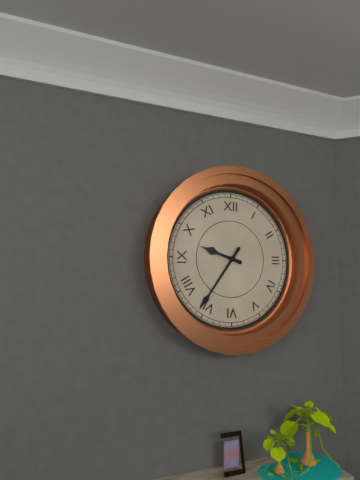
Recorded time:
h=9 m=36
